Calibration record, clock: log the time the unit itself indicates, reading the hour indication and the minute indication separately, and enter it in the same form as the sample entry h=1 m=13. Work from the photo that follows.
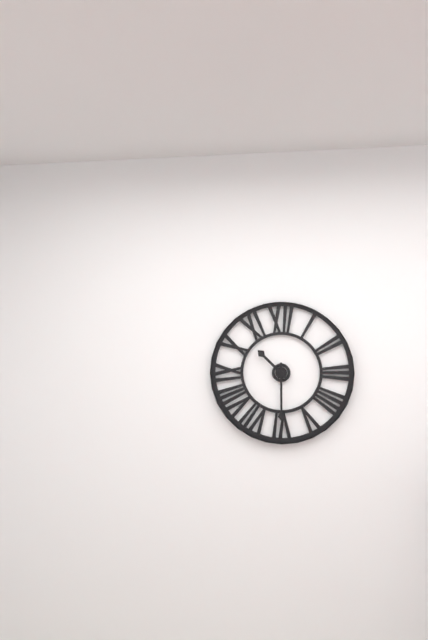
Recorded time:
h=10 m=30
